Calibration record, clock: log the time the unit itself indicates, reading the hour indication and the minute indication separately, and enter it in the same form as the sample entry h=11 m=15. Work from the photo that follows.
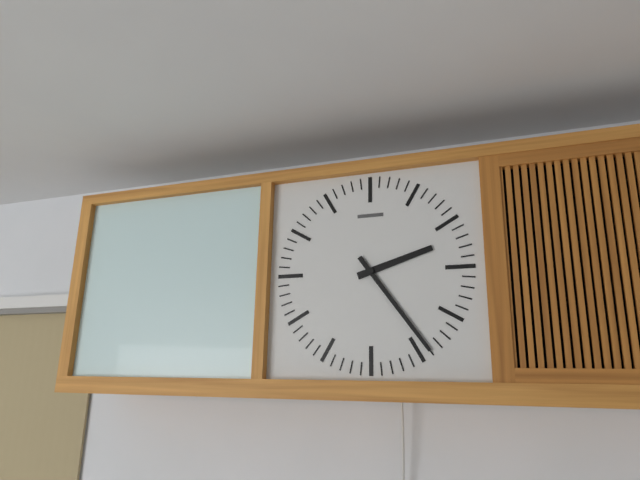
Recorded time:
h=2 m=24
